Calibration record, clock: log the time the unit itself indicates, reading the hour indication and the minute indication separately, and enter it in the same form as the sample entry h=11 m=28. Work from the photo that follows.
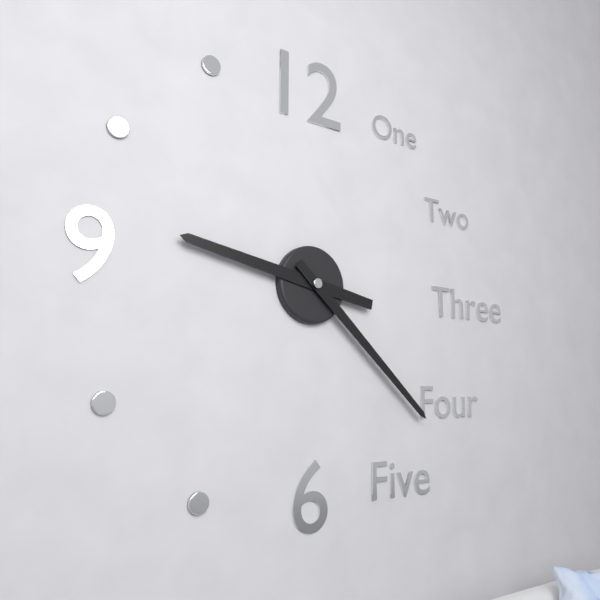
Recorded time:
h=9 m=22
